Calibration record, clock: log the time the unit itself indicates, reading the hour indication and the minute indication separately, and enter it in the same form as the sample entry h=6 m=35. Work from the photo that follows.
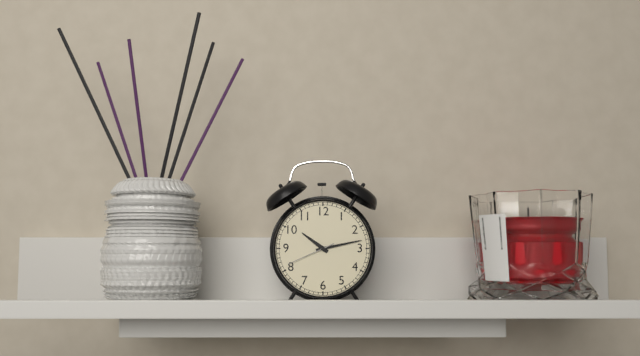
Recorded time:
h=10 m=13
